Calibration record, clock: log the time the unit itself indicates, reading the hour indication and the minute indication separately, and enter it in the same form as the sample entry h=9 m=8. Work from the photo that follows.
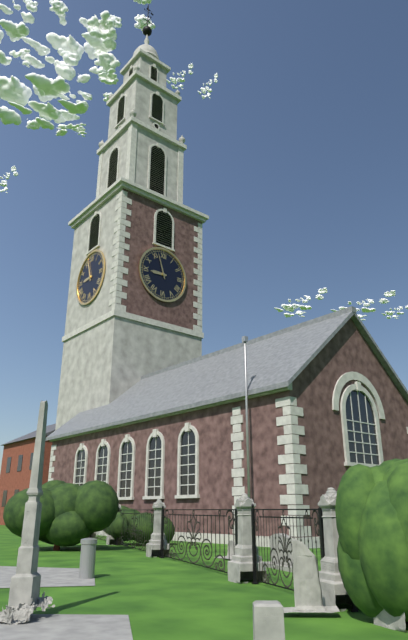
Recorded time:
h=8 m=57
